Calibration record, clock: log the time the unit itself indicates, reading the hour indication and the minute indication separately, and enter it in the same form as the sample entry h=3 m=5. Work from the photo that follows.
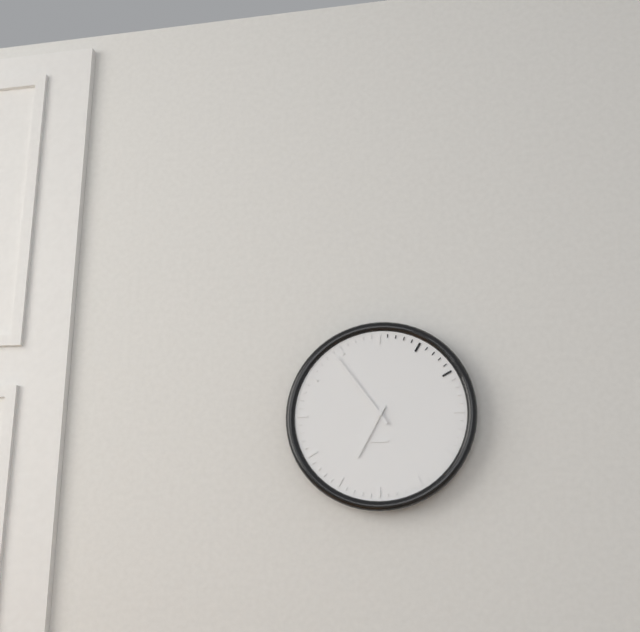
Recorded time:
h=6 m=54
